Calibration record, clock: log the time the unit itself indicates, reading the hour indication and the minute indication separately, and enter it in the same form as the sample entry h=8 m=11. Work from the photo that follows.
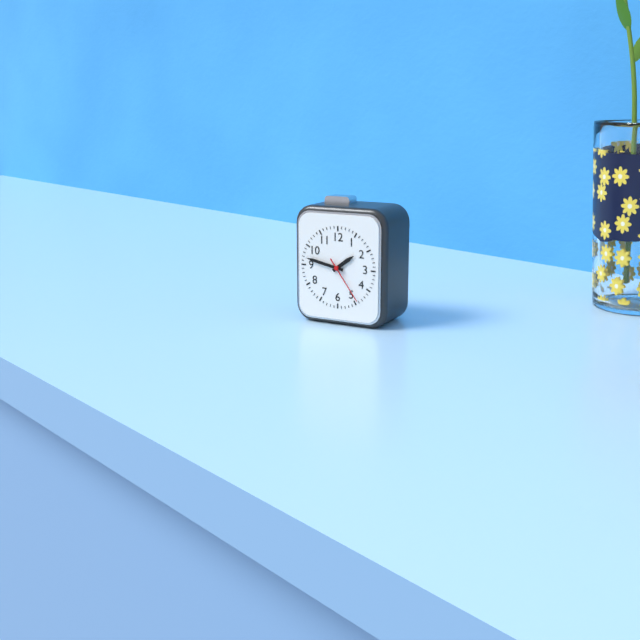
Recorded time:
h=1 m=47
